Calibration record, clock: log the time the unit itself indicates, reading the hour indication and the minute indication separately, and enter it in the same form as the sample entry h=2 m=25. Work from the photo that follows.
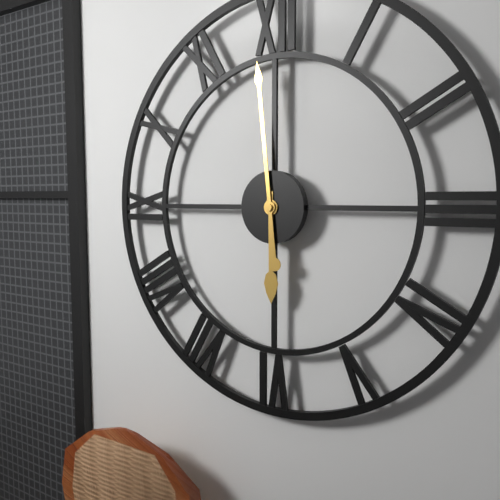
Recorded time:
h=5 m=59
